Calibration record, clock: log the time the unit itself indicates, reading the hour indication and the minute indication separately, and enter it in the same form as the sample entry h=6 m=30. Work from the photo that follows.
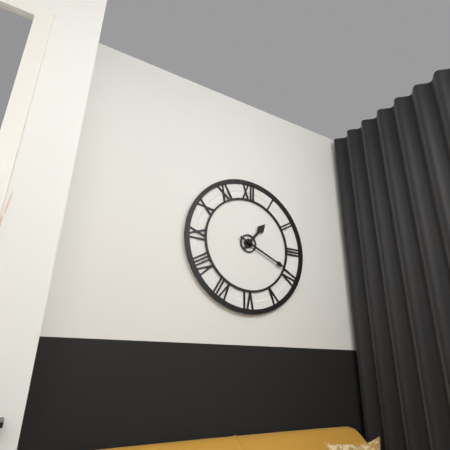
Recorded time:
h=1 m=19
